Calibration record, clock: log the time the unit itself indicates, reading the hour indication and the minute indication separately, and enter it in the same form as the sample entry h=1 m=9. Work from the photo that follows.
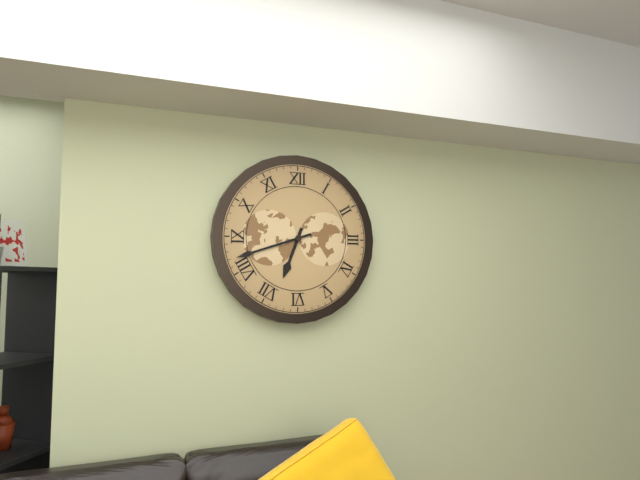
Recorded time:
h=6 m=42
